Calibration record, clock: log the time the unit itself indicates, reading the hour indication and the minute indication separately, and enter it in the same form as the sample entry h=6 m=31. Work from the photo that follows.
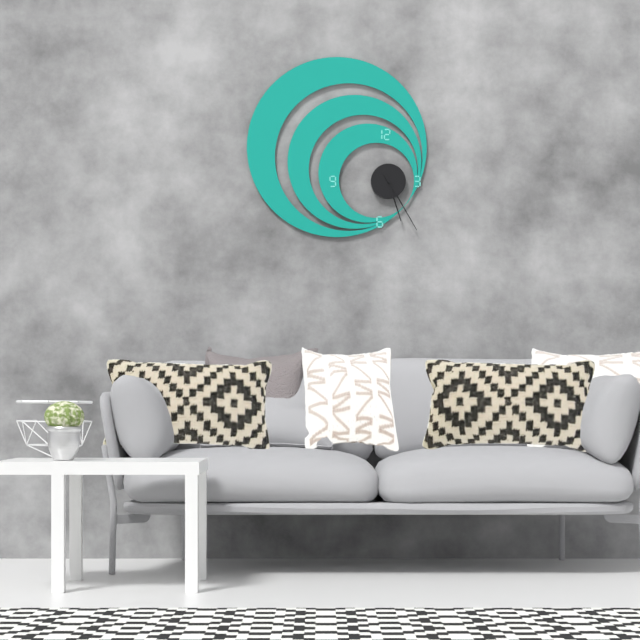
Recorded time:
h=5 m=25
